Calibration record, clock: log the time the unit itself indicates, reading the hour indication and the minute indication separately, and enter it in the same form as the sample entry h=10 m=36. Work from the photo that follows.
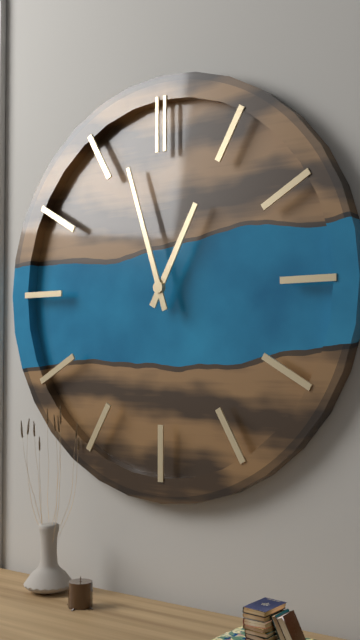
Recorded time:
h=12 m=57
